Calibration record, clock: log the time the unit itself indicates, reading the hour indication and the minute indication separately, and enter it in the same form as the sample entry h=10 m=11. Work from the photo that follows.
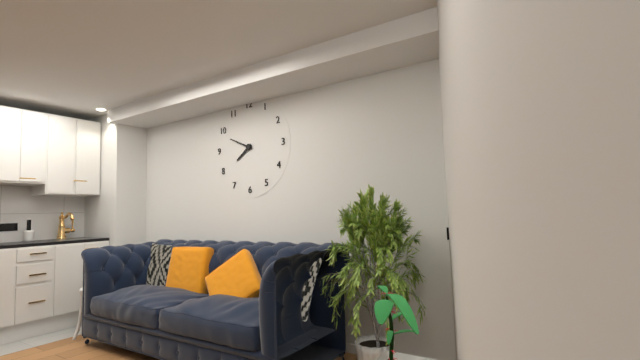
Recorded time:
h=7 m=49
